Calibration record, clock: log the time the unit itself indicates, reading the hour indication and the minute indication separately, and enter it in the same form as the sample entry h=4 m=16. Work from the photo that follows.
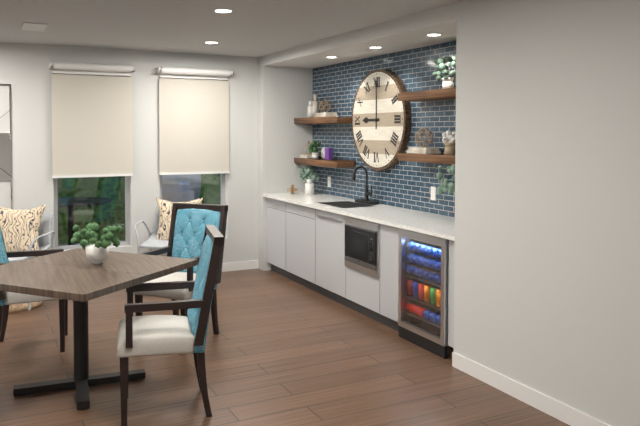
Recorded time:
h=9 m=0
